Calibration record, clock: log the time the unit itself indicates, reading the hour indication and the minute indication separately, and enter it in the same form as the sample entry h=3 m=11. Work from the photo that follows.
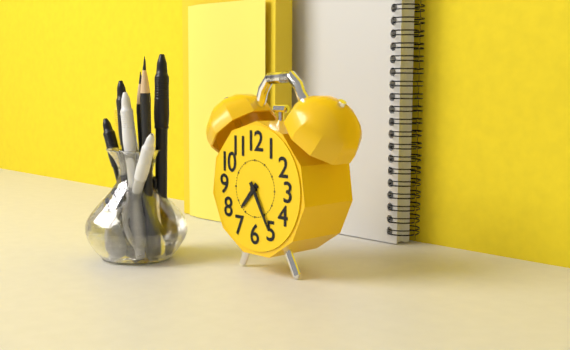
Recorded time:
h=7 m=25
